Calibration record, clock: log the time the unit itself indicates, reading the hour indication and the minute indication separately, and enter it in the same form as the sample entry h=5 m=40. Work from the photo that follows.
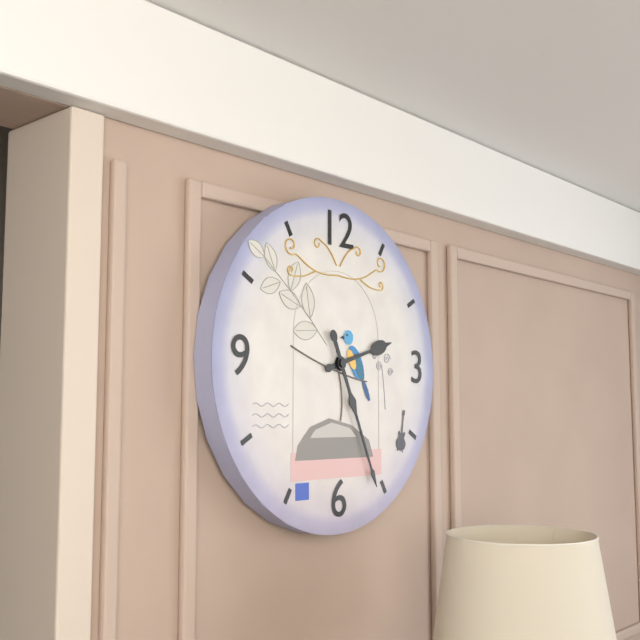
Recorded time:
h=2 m=26
